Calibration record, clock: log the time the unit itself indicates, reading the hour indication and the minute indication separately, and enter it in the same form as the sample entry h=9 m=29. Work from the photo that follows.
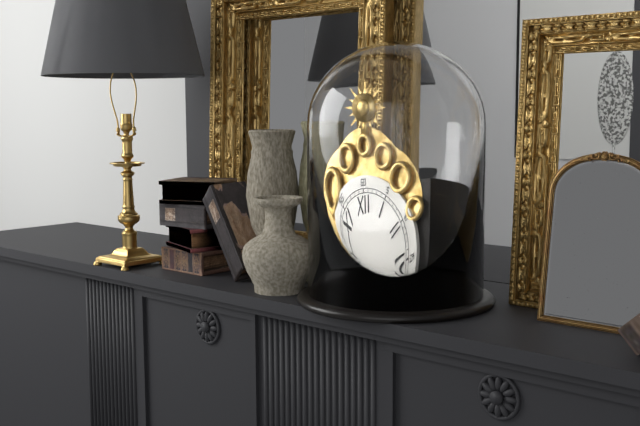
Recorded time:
h=4 m=18
